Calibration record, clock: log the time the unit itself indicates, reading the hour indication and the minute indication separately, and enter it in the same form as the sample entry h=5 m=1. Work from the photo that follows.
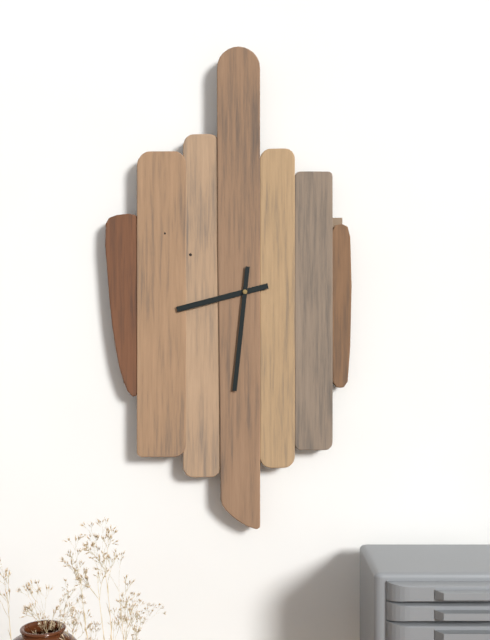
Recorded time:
h=8 m=31
